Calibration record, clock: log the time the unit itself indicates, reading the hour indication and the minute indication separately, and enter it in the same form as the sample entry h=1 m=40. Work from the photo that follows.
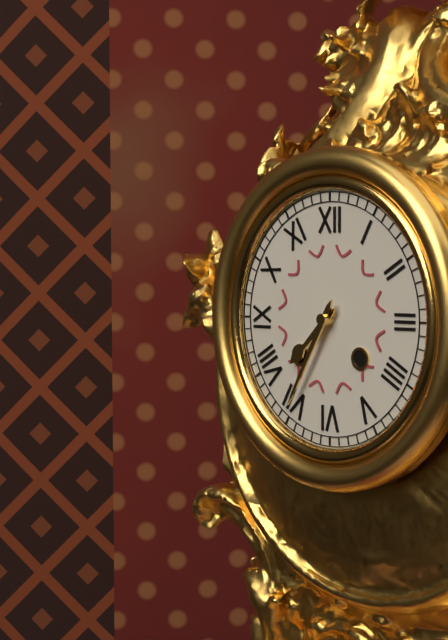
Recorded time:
h=7 m=35
